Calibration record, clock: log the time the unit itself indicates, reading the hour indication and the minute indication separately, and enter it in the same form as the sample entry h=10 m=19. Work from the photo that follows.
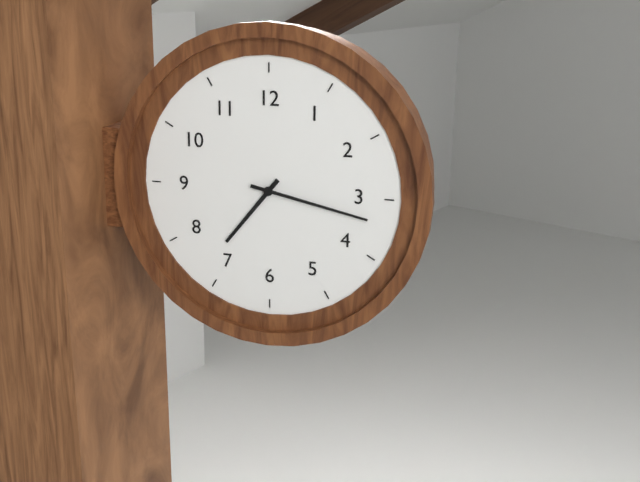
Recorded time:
h=7 m=17
